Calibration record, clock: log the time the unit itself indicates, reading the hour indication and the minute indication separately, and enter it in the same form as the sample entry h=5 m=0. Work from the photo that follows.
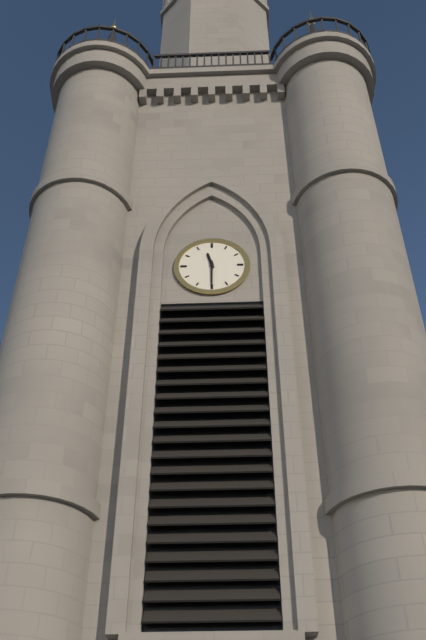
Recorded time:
h=11 m=30
